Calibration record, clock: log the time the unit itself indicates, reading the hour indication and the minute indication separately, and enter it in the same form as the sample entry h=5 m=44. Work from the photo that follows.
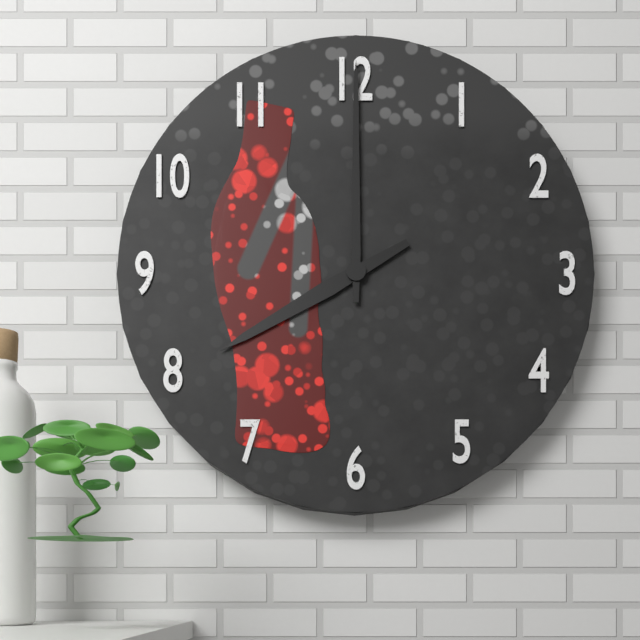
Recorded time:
h=8 m=0
